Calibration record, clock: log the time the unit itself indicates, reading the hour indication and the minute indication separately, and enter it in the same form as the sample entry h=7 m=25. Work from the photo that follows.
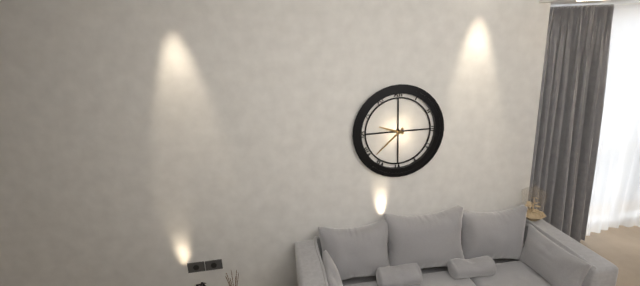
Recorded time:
h=9 m=38
